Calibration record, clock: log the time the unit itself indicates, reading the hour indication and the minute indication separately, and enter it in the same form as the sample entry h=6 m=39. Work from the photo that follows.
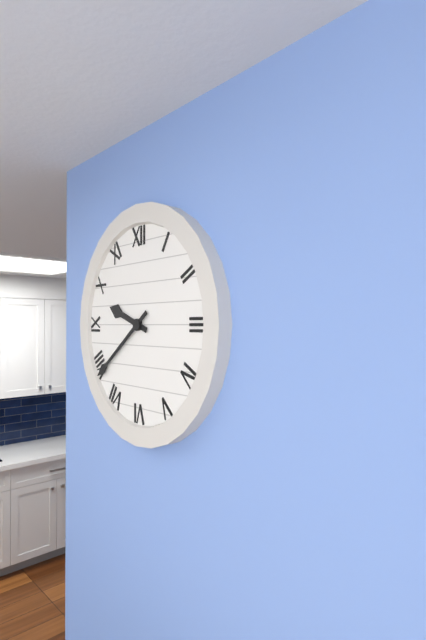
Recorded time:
h=9 m=39
